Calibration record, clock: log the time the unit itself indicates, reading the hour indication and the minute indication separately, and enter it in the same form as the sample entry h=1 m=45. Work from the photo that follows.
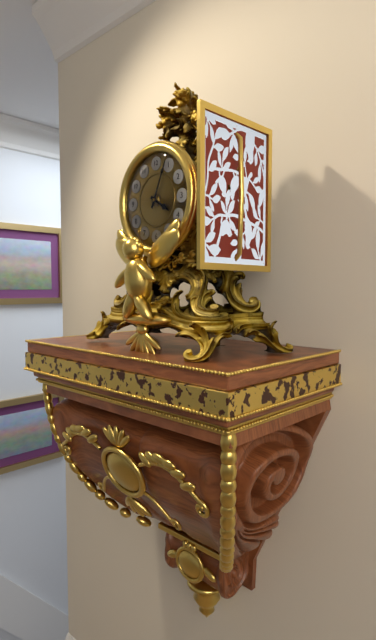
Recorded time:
h=4 m=4
